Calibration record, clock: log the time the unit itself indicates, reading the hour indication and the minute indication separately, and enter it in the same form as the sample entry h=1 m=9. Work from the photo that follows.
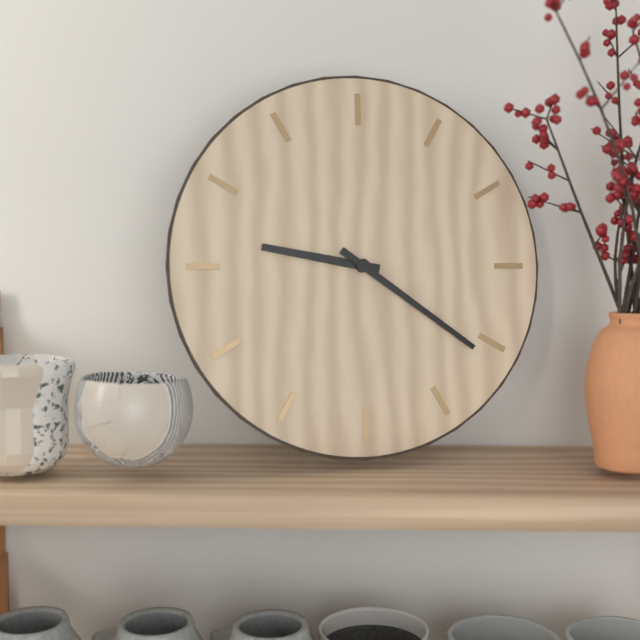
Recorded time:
h=9 m=21
